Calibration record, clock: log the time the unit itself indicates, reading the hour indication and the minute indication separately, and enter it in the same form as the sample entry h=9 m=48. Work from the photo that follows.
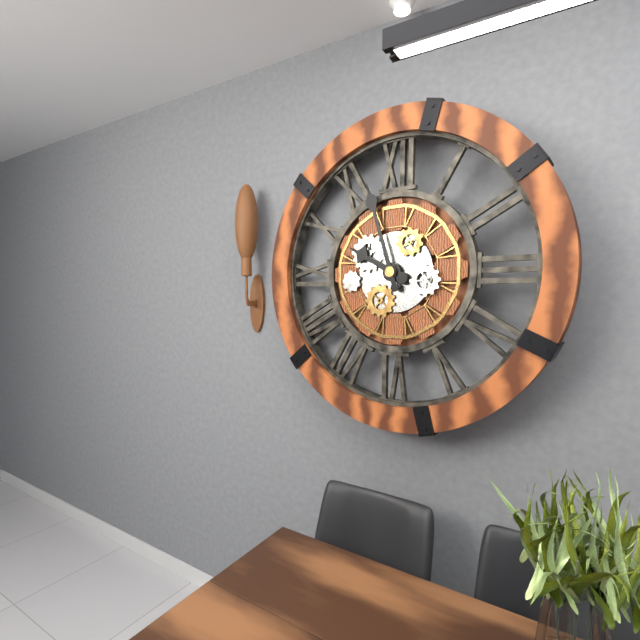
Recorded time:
h=9 m=57
